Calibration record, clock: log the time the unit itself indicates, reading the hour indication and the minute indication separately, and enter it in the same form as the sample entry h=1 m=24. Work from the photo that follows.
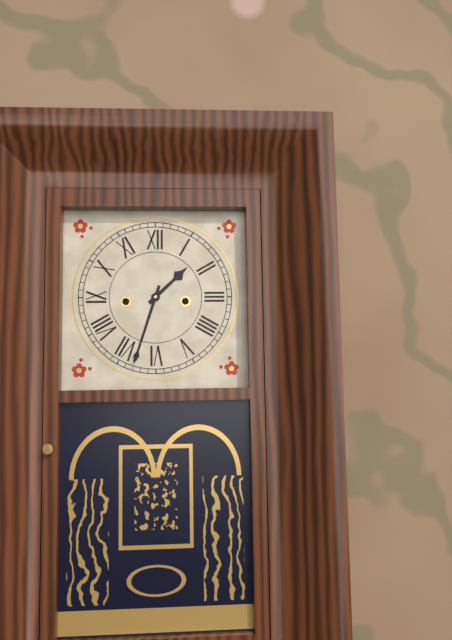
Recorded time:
h=1 m=33
